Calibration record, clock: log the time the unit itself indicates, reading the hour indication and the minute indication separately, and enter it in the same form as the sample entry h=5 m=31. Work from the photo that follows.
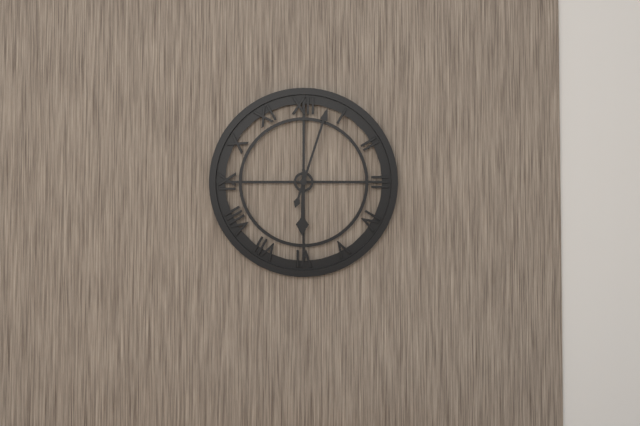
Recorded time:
h=6 m=3
